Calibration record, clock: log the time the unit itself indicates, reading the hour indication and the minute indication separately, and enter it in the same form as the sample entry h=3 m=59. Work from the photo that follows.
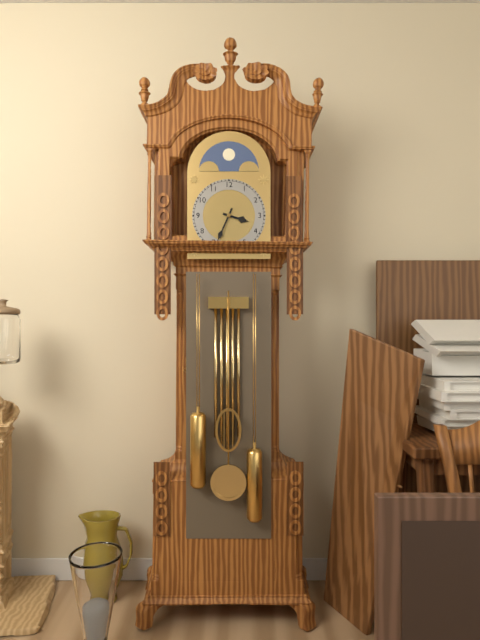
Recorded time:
h=3 m=34
